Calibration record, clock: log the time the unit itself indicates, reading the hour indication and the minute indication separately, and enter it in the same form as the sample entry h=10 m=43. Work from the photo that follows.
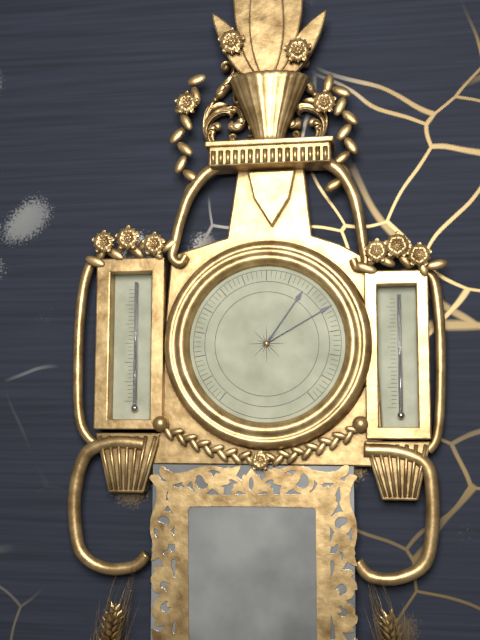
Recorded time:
h=1 m=10
